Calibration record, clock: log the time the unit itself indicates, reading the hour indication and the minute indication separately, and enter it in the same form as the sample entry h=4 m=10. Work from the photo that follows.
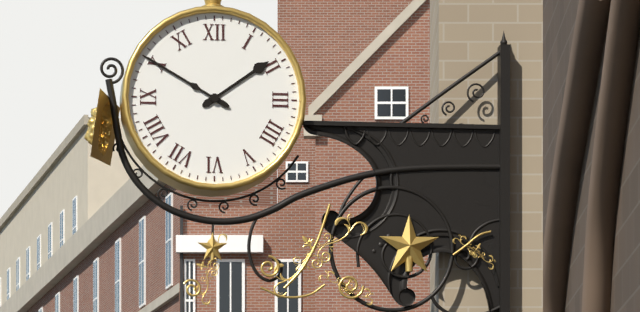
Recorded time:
h=1 m=50
